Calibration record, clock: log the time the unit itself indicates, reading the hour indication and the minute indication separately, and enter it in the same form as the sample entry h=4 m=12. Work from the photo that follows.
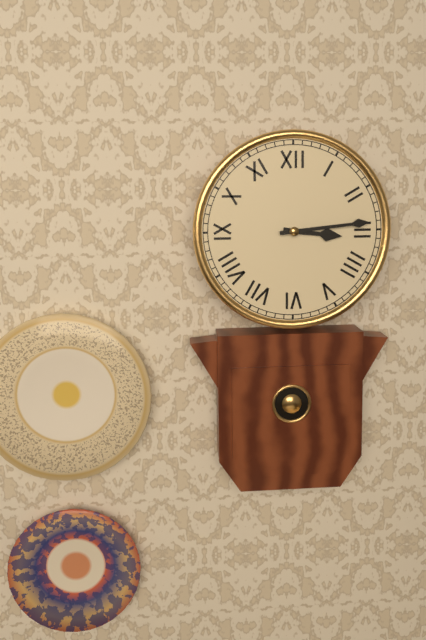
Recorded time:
h=3 m=14
